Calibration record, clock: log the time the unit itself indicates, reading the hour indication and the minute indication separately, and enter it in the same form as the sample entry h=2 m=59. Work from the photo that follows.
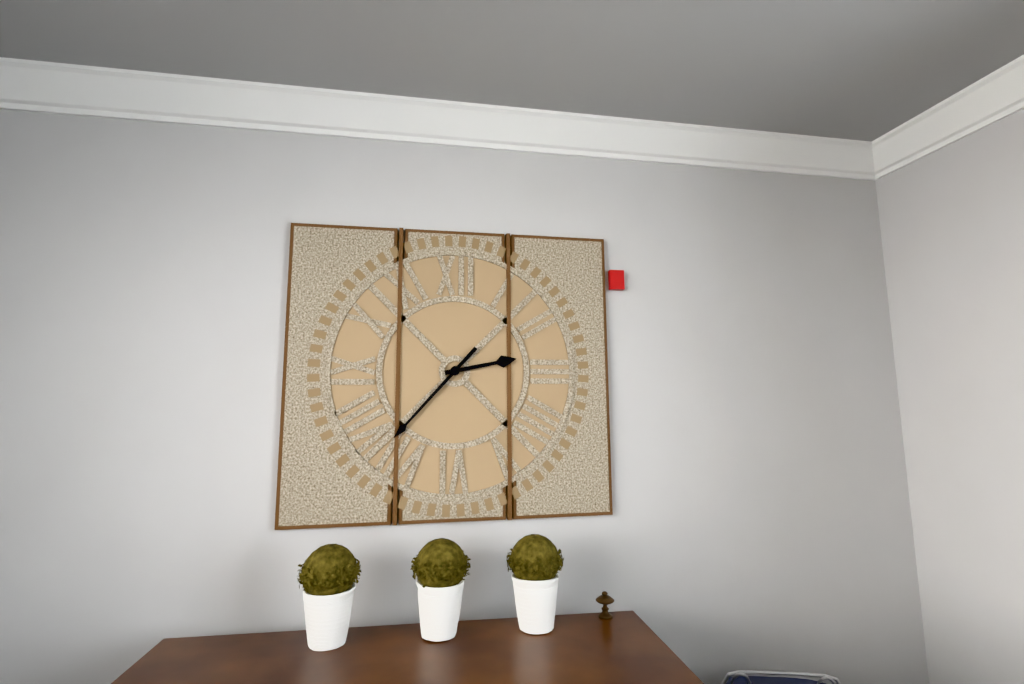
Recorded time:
h=2 m=37
